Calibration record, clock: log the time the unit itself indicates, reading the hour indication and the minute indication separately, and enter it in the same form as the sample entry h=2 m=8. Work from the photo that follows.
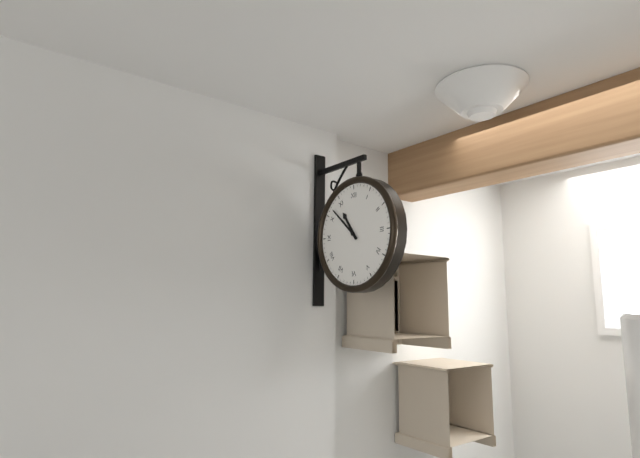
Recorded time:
h=10 m=52
